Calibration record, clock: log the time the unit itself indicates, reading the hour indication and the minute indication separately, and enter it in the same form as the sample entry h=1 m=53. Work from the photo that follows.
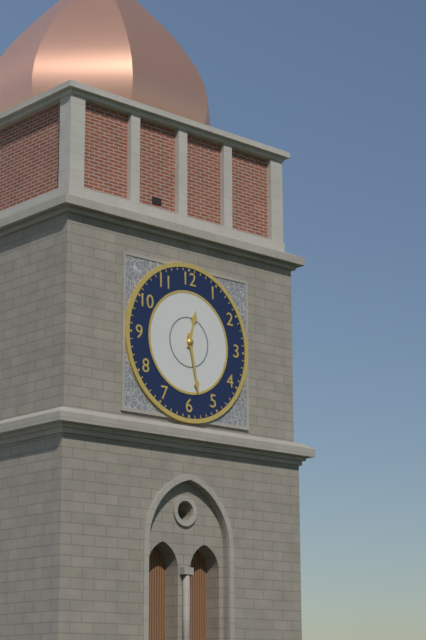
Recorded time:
h=12 m=28
